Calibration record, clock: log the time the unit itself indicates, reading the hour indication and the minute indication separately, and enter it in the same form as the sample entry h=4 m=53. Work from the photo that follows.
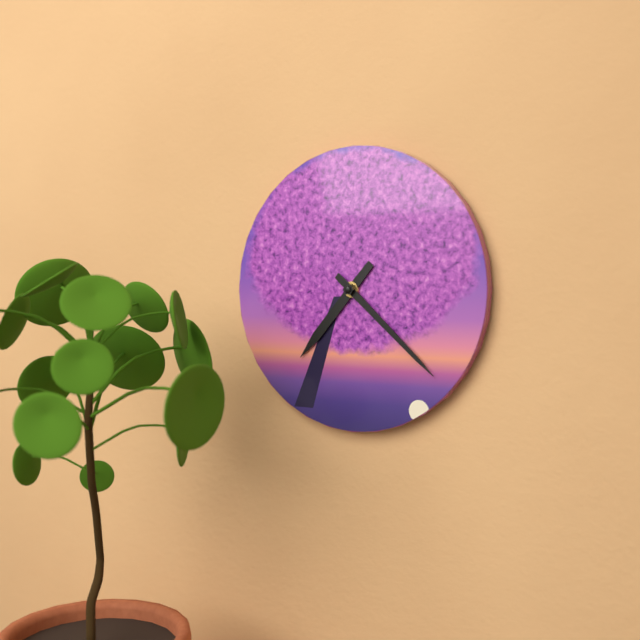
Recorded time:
h=7 m=22
